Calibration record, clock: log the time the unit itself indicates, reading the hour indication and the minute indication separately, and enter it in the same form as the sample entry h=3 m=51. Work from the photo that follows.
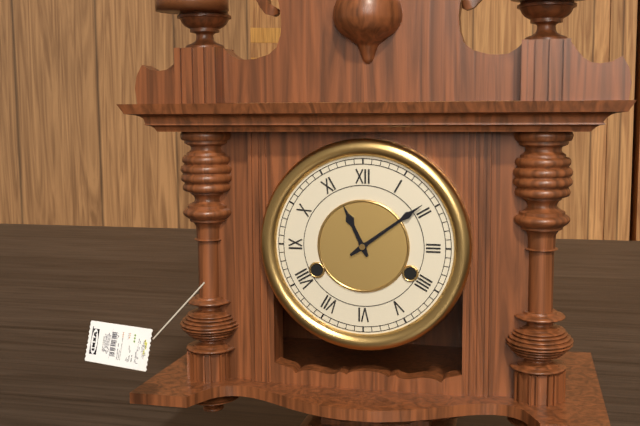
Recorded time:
h=11 m=9
